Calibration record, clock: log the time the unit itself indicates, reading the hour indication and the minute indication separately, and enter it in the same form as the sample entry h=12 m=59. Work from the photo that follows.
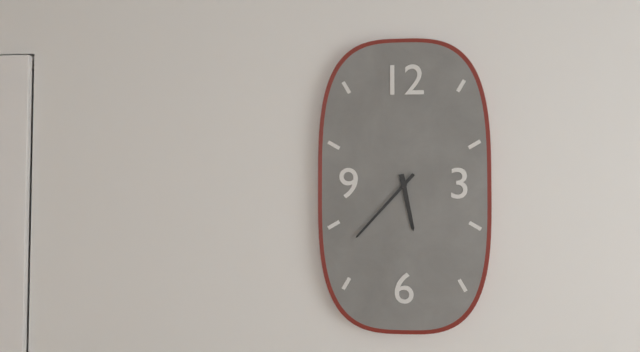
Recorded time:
h=5 m=37
